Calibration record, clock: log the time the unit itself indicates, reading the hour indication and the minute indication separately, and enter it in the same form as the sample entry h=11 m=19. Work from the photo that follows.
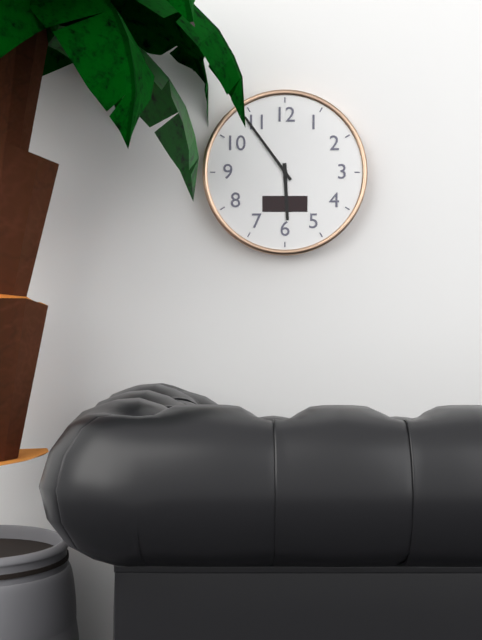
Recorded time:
h=5 m=54
